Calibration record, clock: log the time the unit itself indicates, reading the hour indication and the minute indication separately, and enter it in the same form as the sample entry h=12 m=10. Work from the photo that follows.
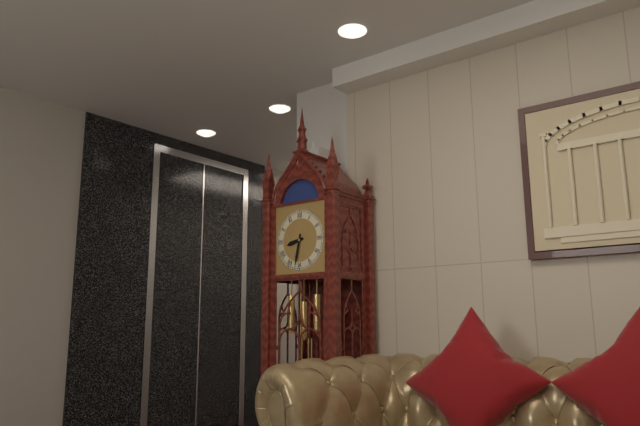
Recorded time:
h=8 m=32
